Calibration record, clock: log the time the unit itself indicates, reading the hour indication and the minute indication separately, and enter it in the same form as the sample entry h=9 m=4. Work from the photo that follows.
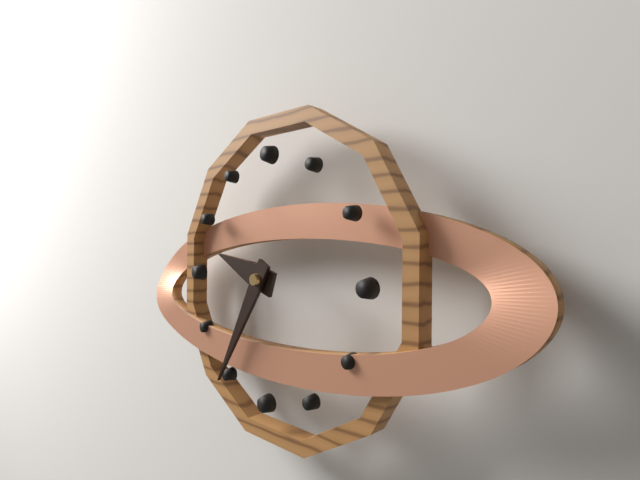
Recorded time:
h=9 m=35
